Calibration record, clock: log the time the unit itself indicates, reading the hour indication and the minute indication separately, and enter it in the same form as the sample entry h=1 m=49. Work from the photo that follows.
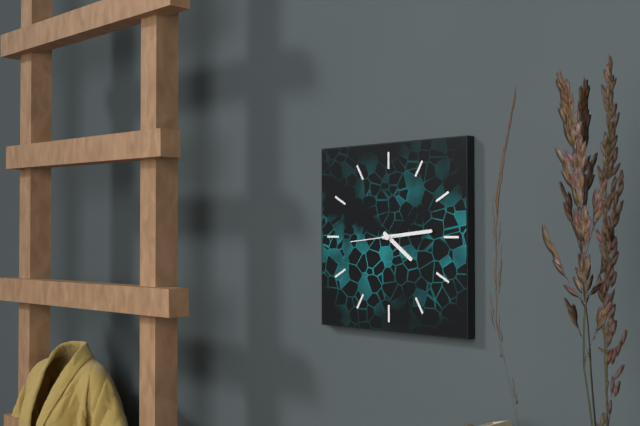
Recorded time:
h=4 m=14
